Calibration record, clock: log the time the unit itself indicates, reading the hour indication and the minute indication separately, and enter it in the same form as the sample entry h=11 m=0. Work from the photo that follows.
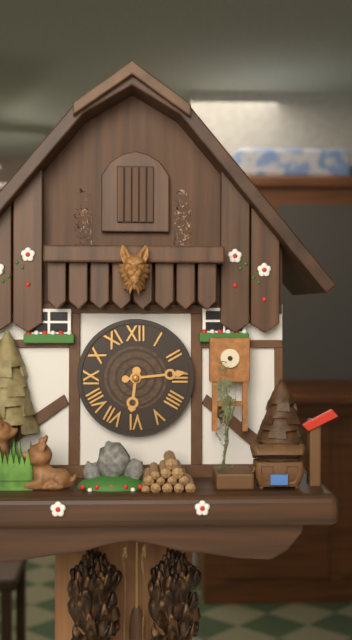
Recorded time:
h=6 m=14
